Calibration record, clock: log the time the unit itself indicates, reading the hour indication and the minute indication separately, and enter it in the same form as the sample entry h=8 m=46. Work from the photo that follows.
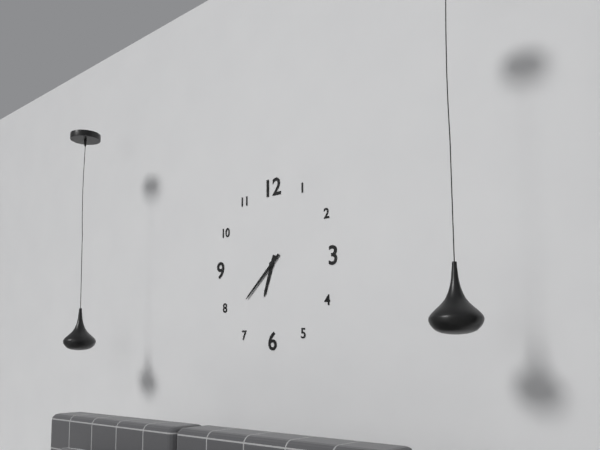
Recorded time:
h=6 m=38
